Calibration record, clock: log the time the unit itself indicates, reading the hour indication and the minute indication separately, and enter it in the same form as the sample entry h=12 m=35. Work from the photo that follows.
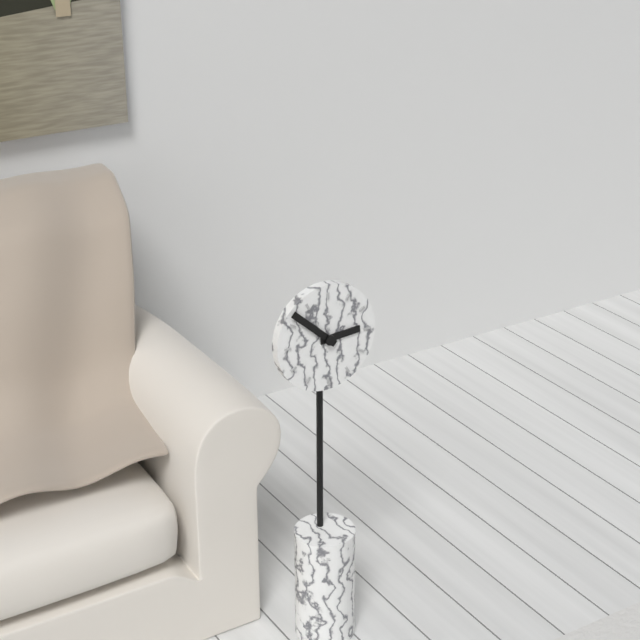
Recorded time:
h=2 m=52
